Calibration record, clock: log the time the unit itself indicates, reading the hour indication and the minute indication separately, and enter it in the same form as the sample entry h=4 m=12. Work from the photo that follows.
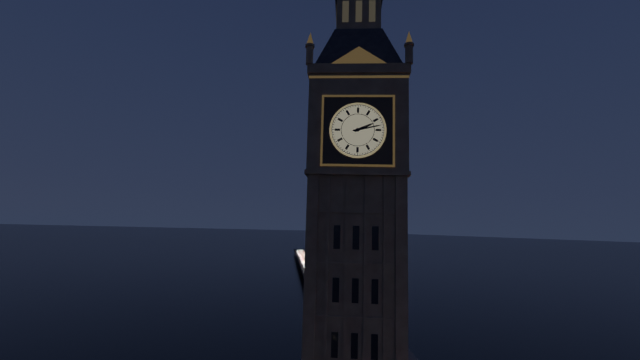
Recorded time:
h=2 m=13
